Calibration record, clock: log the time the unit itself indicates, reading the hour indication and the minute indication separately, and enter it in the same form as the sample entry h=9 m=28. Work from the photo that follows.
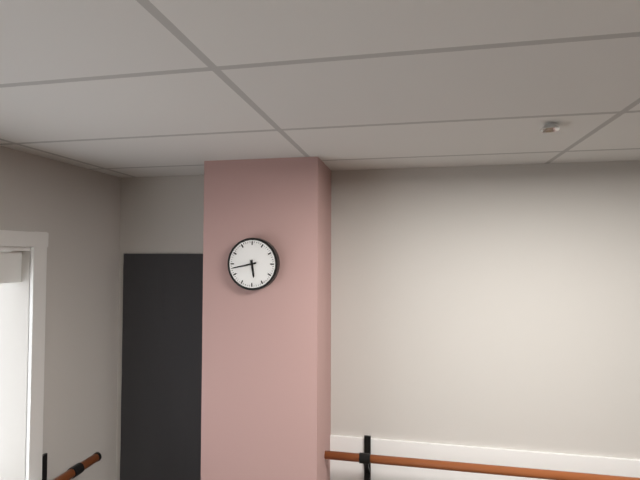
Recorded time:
h=5 m=43
